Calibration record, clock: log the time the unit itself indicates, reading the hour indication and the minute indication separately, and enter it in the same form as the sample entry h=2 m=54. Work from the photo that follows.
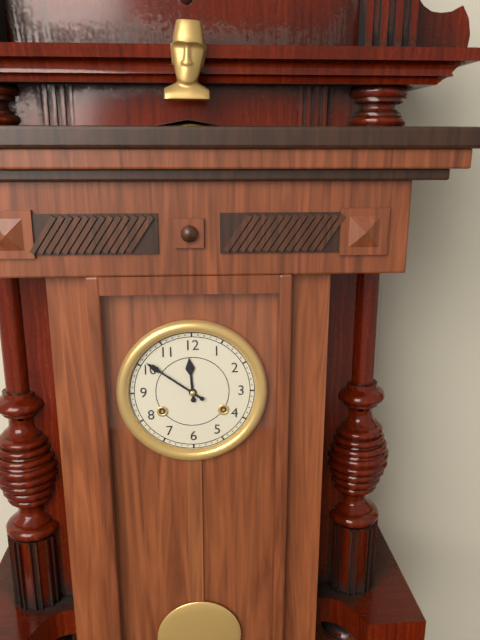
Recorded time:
h=11 m=51
